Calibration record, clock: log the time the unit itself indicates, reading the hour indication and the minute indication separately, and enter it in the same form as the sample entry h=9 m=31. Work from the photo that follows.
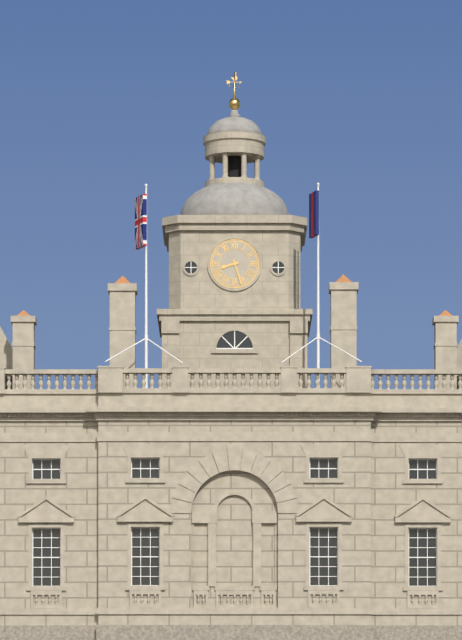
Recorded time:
h=8 m=27
